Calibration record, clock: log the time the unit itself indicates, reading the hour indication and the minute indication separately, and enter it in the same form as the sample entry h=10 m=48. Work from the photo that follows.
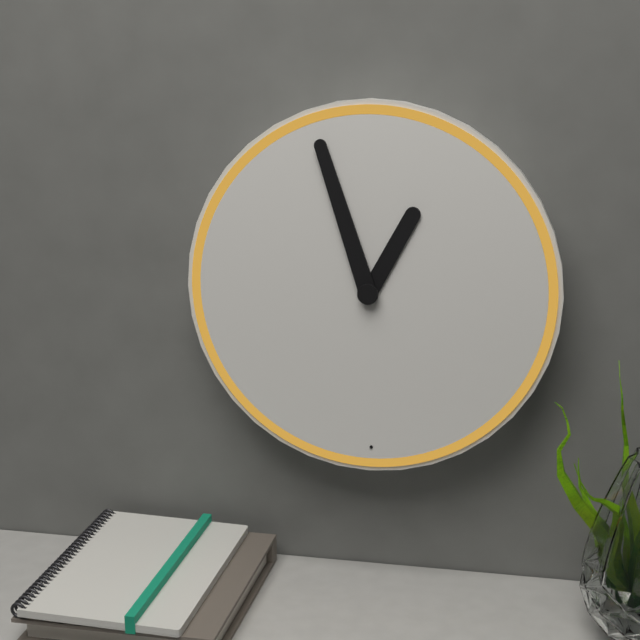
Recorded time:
h=12 m=57
